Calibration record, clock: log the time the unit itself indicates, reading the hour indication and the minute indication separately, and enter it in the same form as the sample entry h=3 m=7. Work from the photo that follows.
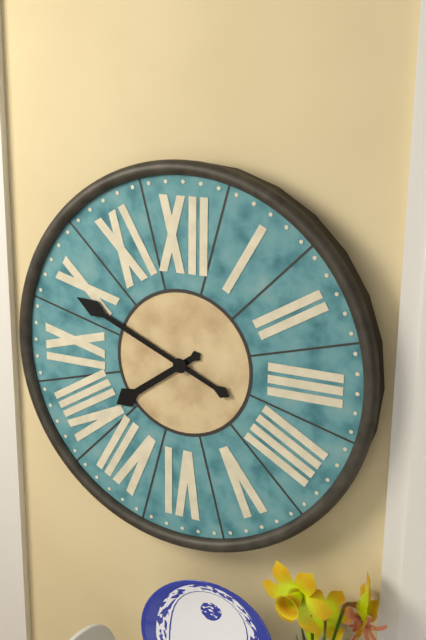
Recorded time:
h=7 m=49
